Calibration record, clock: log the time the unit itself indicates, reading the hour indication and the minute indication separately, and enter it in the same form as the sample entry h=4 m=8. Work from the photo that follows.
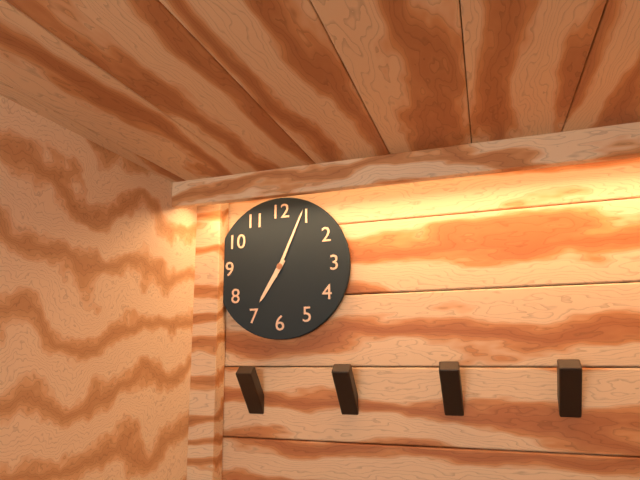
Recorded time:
h=7 m=4
